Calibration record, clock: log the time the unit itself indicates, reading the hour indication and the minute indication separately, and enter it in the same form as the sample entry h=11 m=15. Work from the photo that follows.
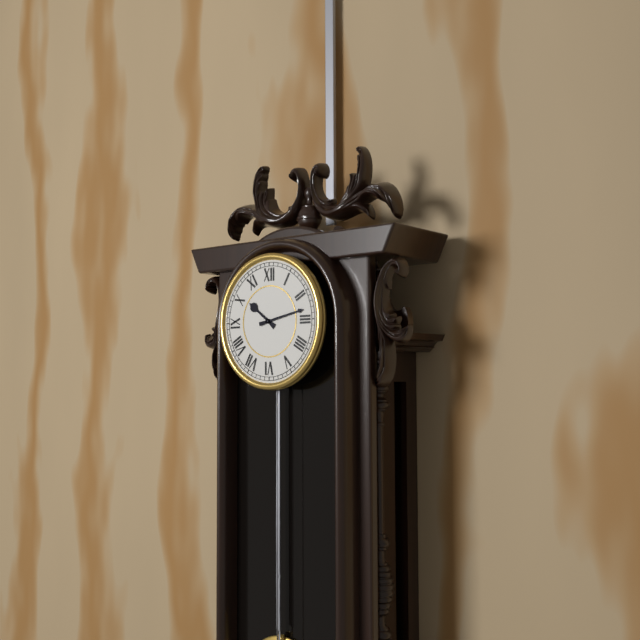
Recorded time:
h=10 m=13
